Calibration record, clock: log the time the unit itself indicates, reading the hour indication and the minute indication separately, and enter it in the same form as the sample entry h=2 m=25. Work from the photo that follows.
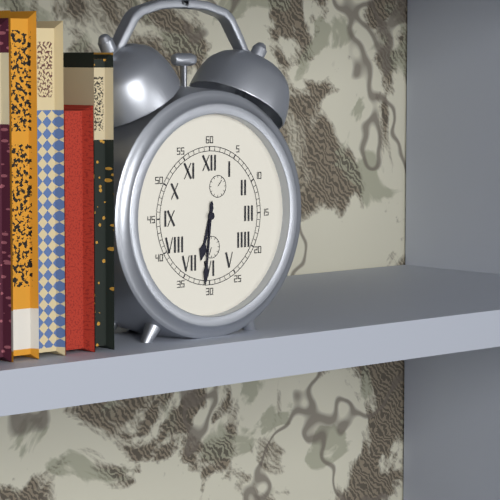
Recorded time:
h=6 m=31
